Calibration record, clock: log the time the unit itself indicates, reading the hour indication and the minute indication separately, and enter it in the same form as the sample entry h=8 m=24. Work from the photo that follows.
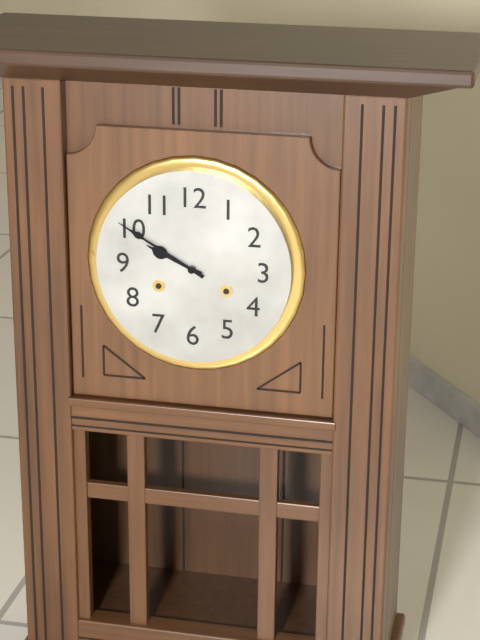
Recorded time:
h=9 m=50
